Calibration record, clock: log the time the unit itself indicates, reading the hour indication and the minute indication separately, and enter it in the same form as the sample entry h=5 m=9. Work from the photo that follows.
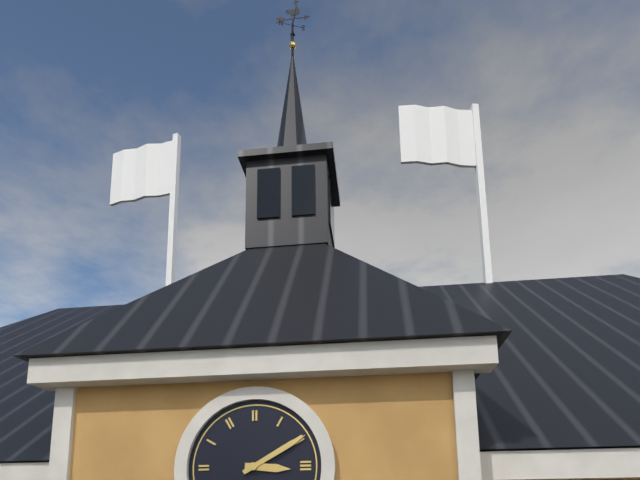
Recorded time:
h=3 m=10
